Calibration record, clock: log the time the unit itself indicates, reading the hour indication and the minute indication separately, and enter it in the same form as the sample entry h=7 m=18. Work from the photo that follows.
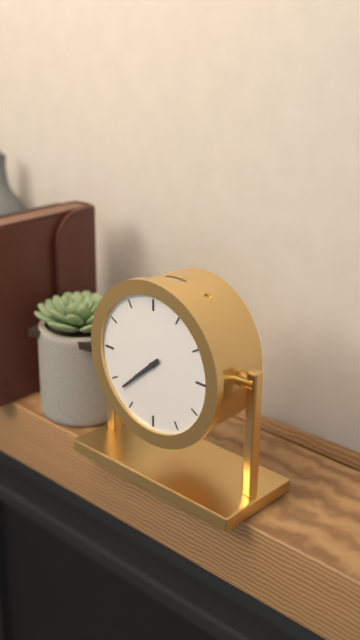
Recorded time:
h=7 m=38
